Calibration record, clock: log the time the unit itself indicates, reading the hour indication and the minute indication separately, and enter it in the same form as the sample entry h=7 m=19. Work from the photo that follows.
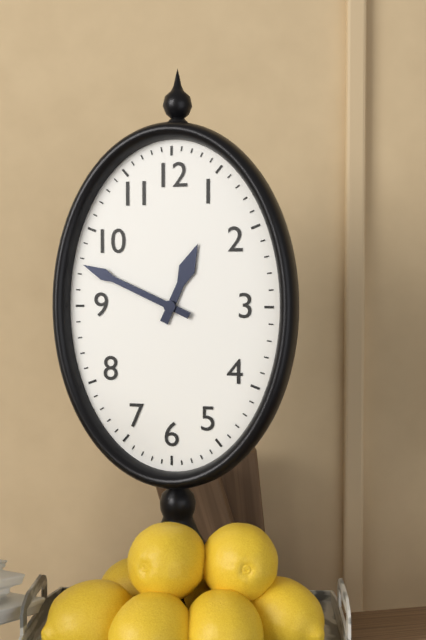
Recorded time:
h=12 m=49
